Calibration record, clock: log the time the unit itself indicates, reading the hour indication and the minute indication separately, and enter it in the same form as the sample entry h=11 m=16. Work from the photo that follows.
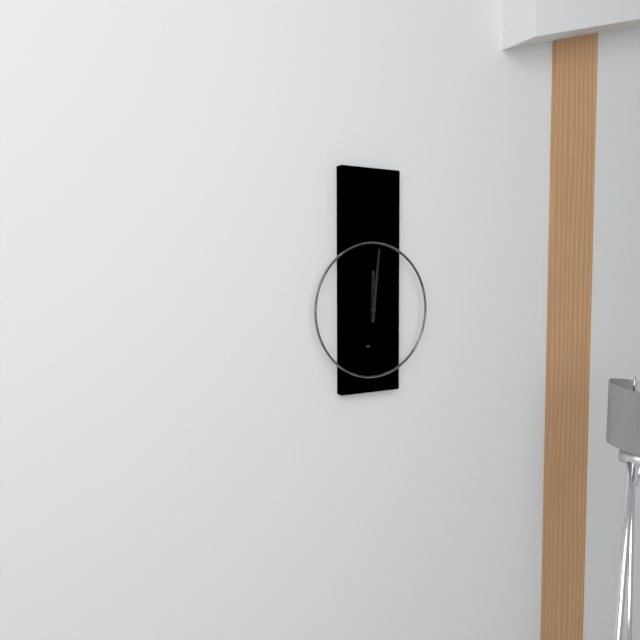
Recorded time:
h=12 m=1
